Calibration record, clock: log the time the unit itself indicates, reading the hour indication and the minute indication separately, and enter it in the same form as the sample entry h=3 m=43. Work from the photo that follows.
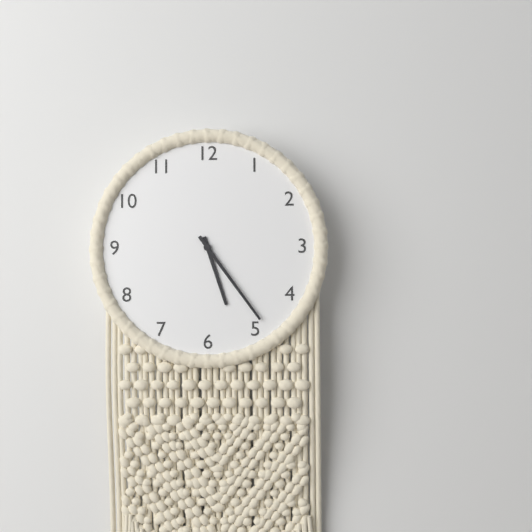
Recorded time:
h=5 m=24
